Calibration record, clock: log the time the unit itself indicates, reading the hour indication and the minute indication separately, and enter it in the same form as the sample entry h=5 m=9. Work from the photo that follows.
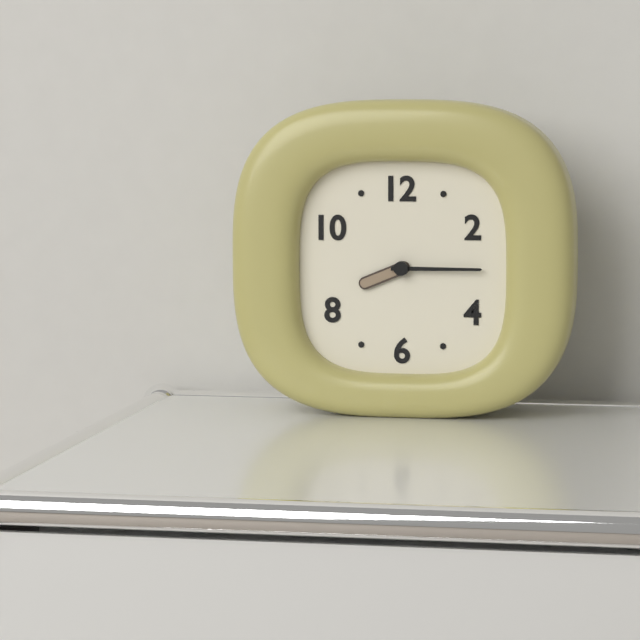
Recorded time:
h=8 m=15
